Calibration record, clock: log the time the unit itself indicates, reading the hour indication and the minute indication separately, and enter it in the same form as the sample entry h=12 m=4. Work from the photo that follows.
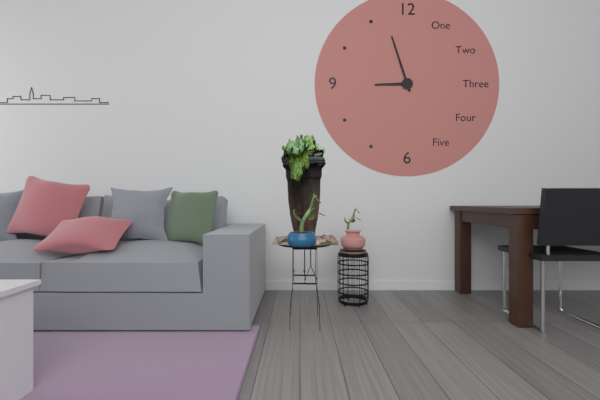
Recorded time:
h=8 m=57
